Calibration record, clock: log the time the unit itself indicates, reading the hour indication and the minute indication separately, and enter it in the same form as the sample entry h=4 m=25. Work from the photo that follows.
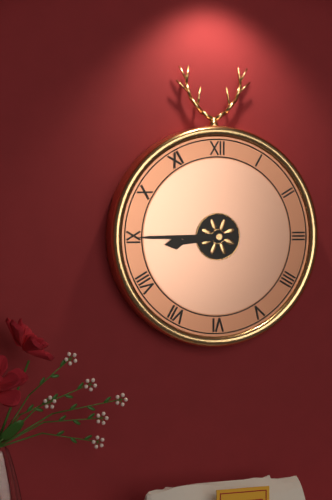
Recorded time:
h=8 m=45
